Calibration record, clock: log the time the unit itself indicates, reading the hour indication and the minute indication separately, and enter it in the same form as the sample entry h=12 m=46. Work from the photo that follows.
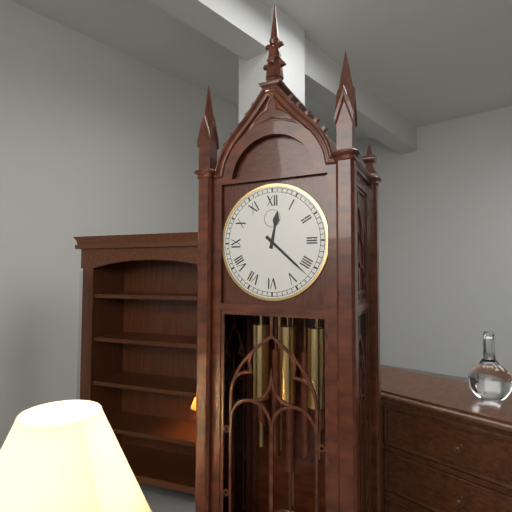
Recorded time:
h=12 m=22
